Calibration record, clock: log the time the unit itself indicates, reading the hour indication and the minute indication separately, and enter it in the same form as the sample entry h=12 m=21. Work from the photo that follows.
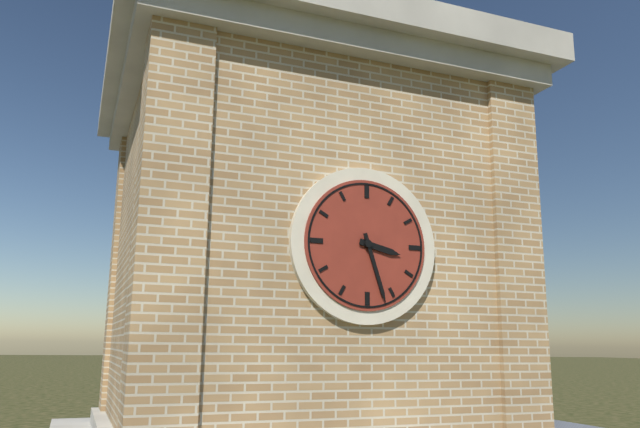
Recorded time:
h=3 m=27
